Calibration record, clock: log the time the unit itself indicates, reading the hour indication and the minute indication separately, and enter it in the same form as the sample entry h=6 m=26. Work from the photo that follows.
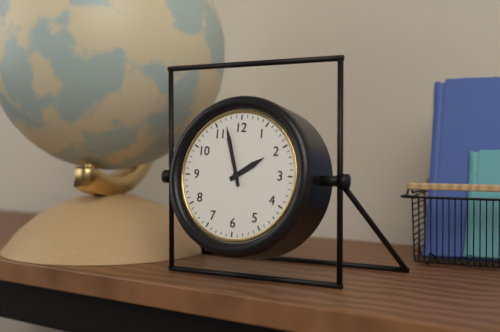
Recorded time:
h=1 m=57
